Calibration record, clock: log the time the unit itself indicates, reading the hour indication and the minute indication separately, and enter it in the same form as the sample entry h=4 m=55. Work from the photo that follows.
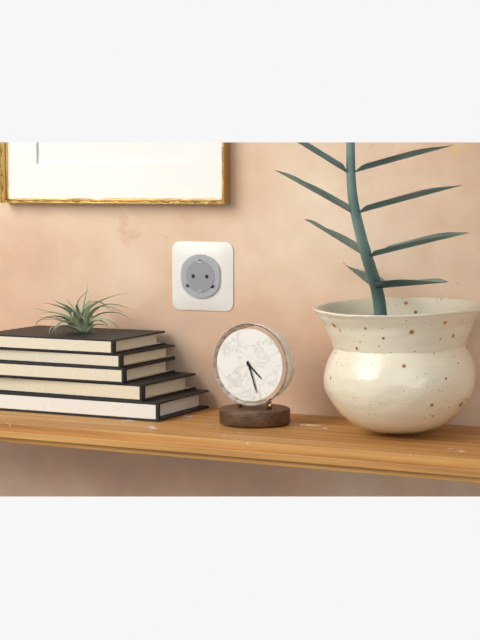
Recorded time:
h=4 m=27
